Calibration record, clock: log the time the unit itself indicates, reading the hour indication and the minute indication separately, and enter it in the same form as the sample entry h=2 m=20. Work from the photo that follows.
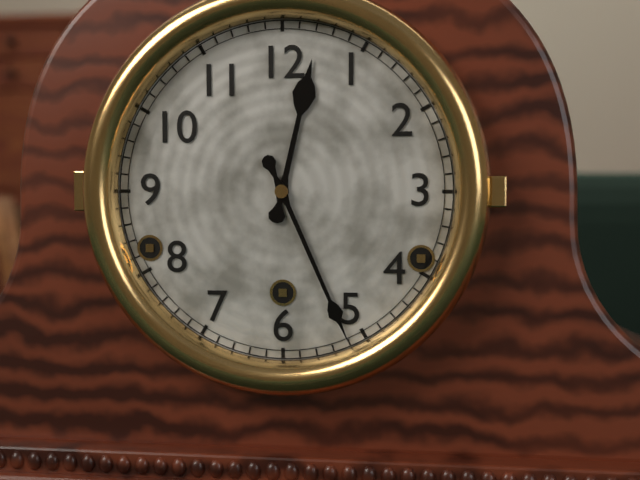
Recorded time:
h=12 m=26
